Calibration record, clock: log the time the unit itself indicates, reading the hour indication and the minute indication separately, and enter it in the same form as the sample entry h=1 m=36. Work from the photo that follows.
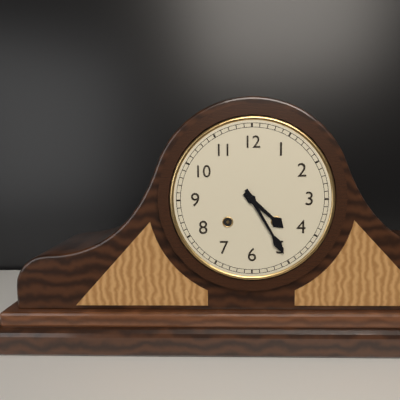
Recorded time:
h=4 m=25
